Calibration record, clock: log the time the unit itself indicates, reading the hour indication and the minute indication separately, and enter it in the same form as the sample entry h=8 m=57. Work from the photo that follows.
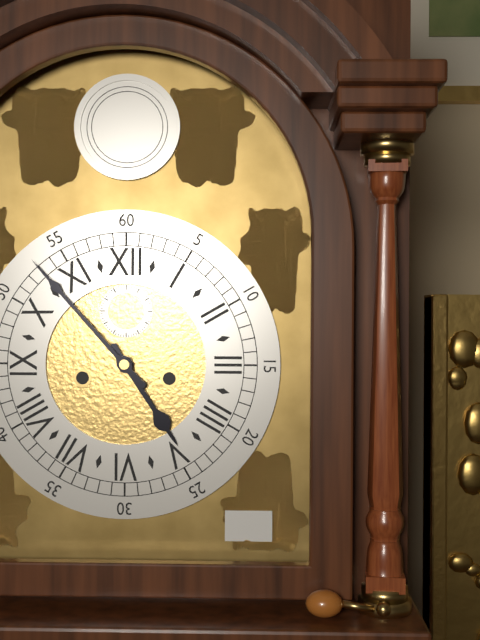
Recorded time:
h=4 m=53
